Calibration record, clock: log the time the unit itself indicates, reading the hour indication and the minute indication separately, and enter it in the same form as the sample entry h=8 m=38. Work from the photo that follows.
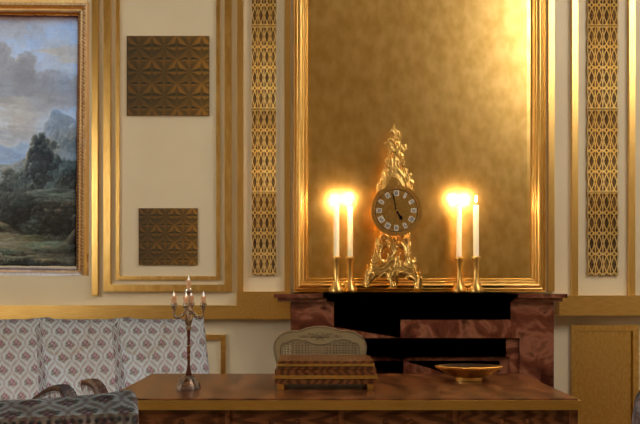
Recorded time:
h=4 m=58
